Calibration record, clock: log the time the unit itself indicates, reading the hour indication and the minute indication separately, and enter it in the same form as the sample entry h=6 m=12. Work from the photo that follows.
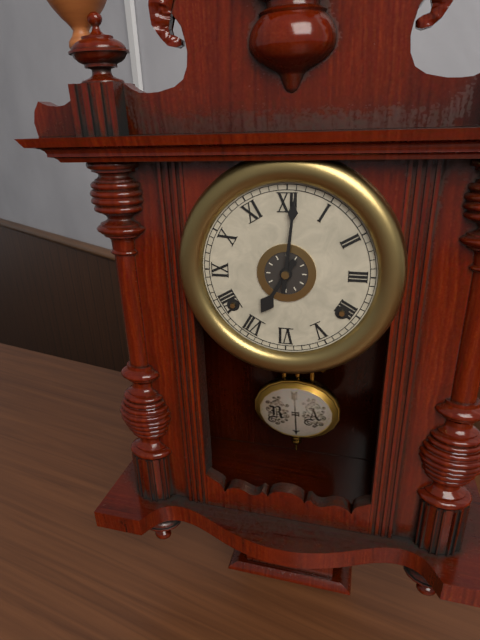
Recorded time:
h=7 m=1
